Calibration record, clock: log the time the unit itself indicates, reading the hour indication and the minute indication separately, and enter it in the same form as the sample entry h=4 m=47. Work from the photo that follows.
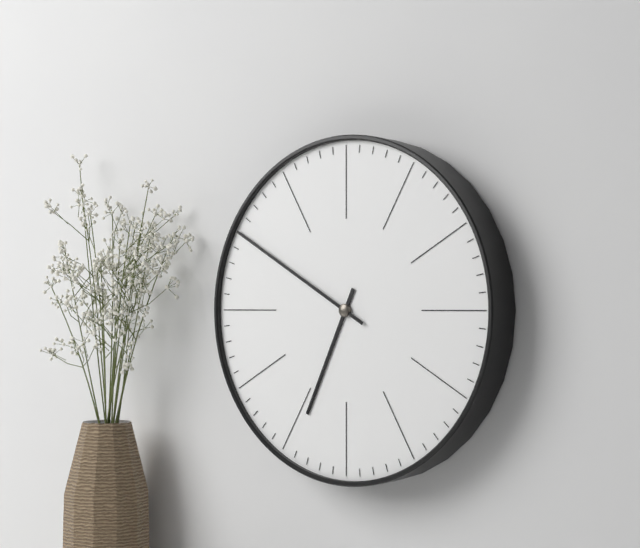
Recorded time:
h=6 m=50
